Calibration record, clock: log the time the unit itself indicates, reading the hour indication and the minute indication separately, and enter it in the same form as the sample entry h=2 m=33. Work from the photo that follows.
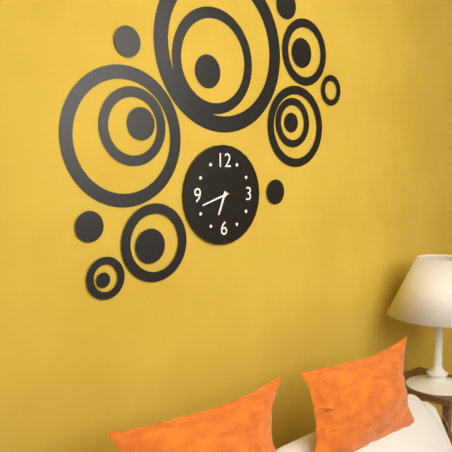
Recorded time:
h=6 m=42
